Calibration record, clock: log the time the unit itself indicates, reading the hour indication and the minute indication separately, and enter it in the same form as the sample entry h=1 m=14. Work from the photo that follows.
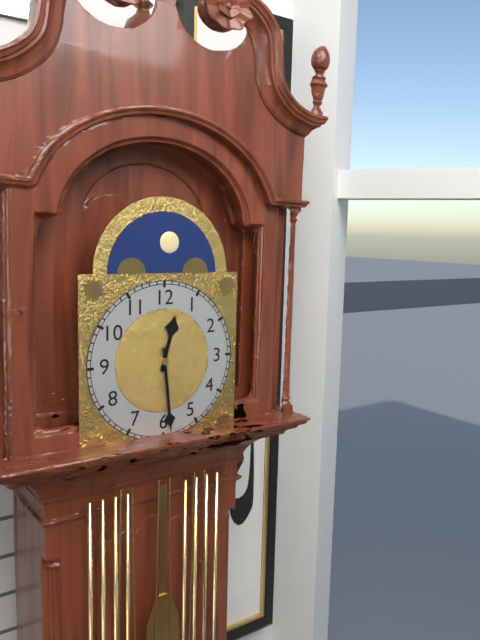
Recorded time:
h=12 m=29
